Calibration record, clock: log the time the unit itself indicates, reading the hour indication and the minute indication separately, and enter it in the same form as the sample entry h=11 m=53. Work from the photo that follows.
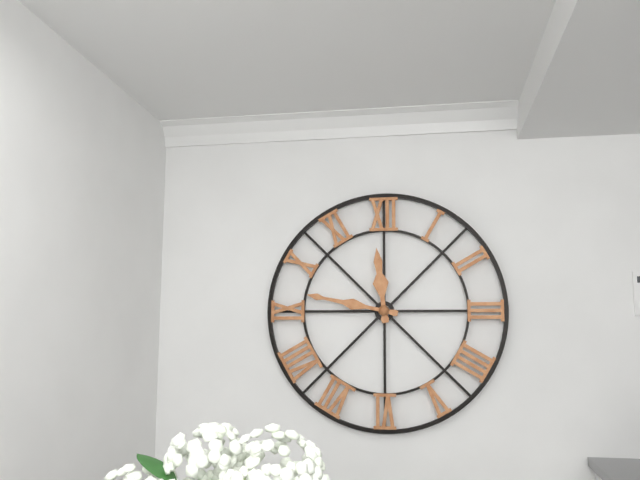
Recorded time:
h=11 m=47
